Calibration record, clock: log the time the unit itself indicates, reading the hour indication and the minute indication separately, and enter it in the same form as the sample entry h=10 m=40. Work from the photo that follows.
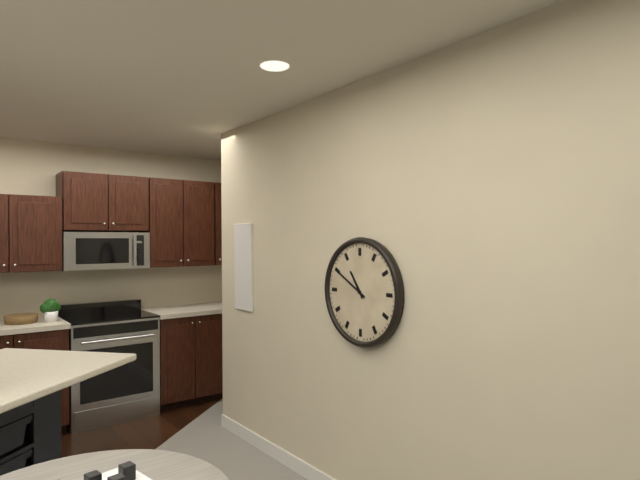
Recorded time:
h=10 m=50
